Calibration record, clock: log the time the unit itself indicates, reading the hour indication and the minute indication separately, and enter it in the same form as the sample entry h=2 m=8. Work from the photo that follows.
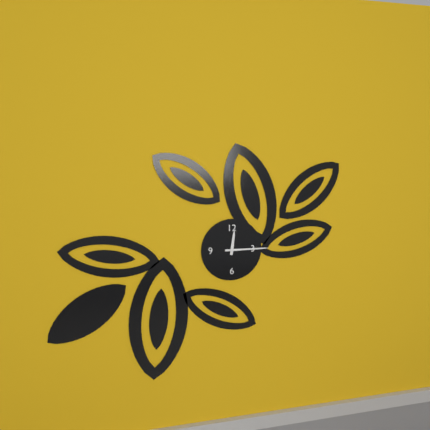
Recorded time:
h=12 m=15
